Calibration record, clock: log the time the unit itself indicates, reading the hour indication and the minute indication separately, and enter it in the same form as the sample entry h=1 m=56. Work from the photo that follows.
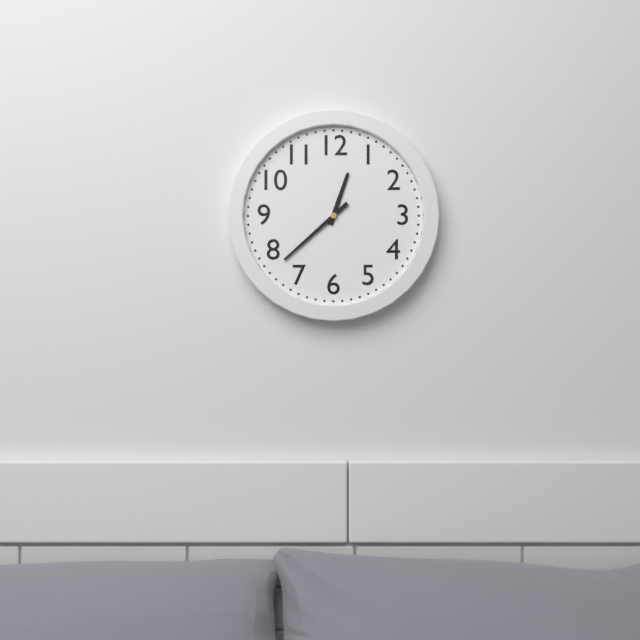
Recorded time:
h=12 m=38
